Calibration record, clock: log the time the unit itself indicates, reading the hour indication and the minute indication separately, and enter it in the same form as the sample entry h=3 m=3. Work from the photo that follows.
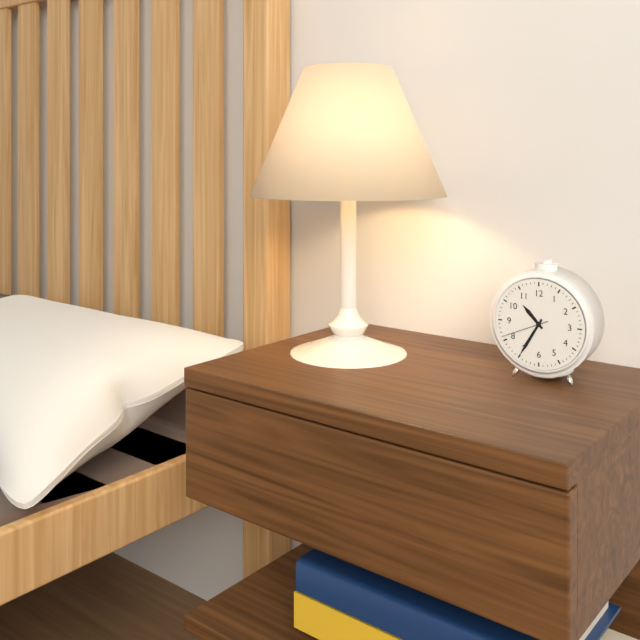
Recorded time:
h=10 m=35
